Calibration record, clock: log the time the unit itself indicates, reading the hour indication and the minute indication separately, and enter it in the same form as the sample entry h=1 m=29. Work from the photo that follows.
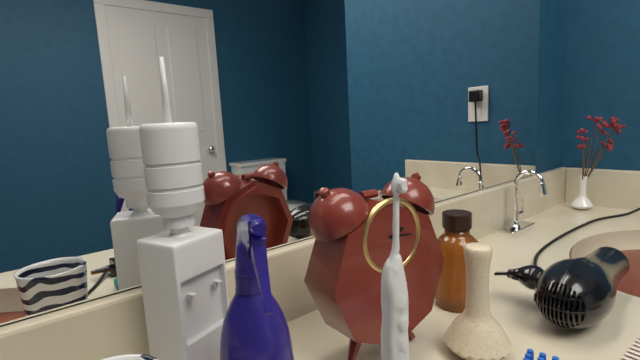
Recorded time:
h=2 m=16
